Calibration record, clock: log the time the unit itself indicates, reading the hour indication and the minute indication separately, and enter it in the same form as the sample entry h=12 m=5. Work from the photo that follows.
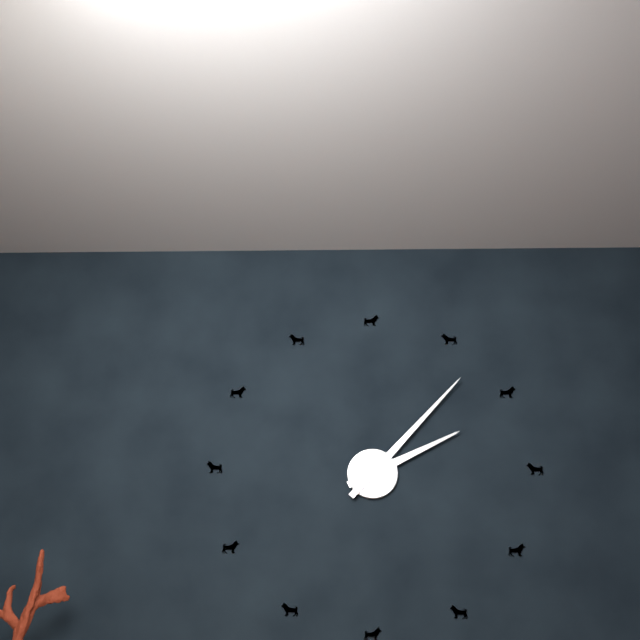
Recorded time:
h=2 m=7
